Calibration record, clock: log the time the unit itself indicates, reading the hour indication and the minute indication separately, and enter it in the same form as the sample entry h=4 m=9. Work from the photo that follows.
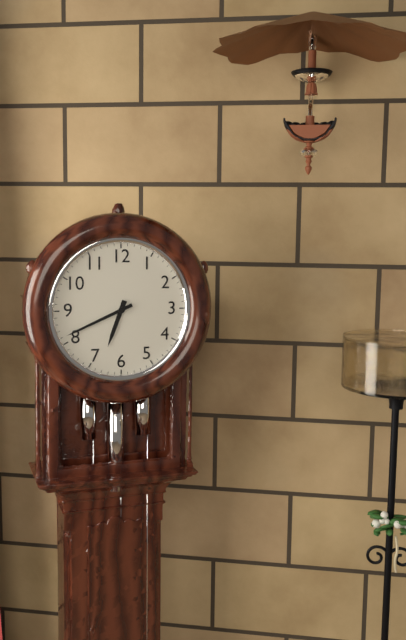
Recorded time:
h=6 m=41
